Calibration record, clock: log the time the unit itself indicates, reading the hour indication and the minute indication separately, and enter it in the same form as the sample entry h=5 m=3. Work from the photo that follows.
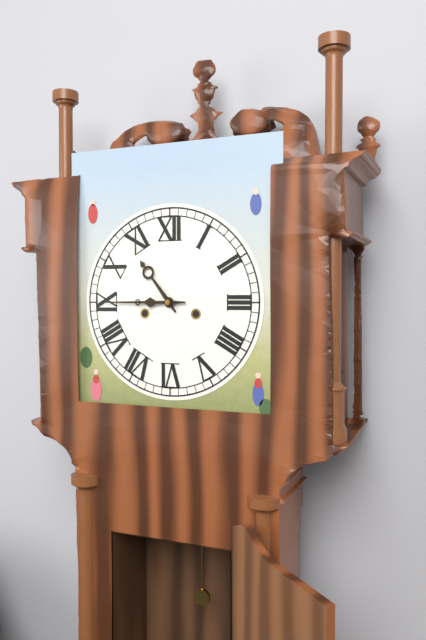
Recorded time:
h=10 m=45
